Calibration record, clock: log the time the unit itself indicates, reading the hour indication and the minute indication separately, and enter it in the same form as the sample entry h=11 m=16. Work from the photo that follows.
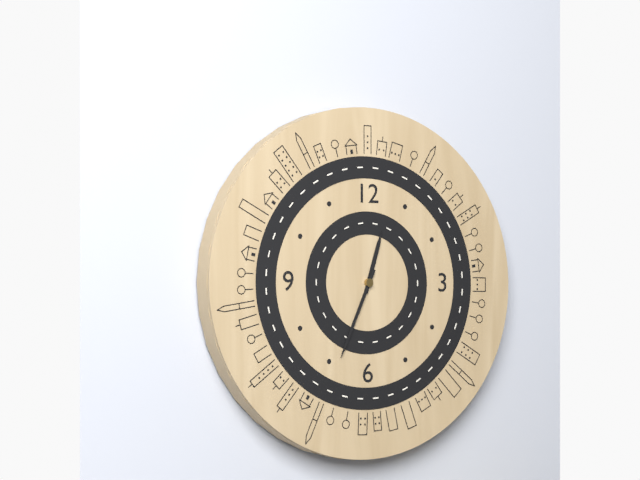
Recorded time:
h=12 m=34
